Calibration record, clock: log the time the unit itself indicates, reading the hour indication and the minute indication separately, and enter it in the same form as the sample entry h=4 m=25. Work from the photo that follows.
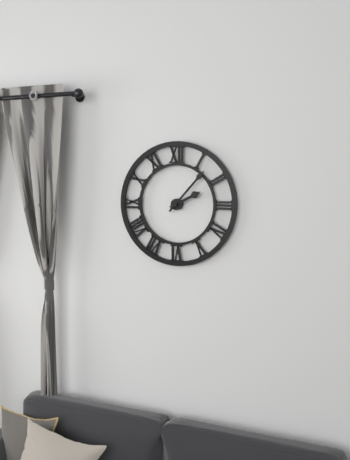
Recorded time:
h=2 m=7
